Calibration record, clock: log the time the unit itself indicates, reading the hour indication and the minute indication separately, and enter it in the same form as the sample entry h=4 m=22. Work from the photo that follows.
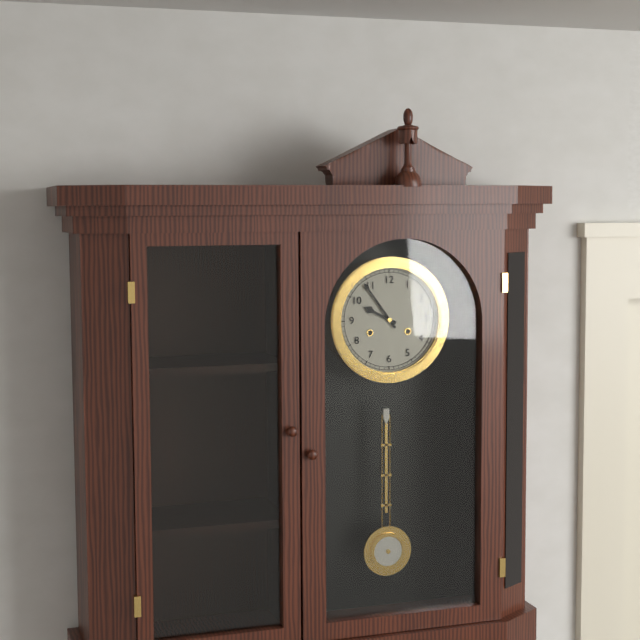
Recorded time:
h=9 m=54
